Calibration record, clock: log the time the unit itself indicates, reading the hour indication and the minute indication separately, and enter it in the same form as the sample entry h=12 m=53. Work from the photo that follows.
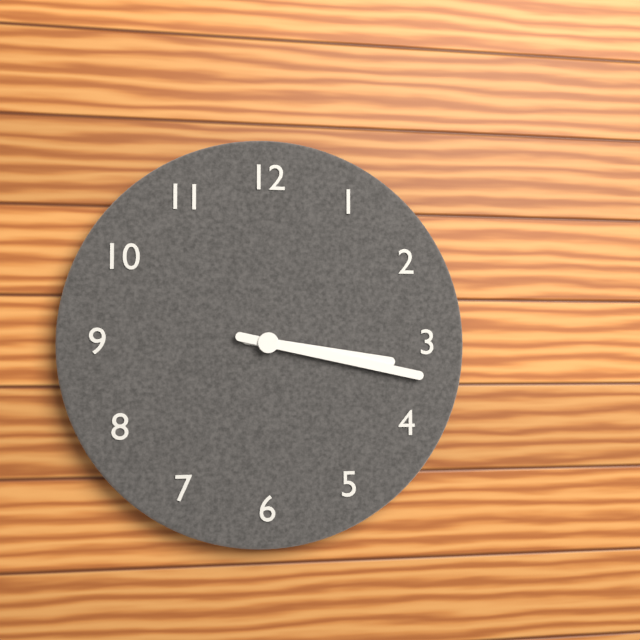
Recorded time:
h=3 m=17
